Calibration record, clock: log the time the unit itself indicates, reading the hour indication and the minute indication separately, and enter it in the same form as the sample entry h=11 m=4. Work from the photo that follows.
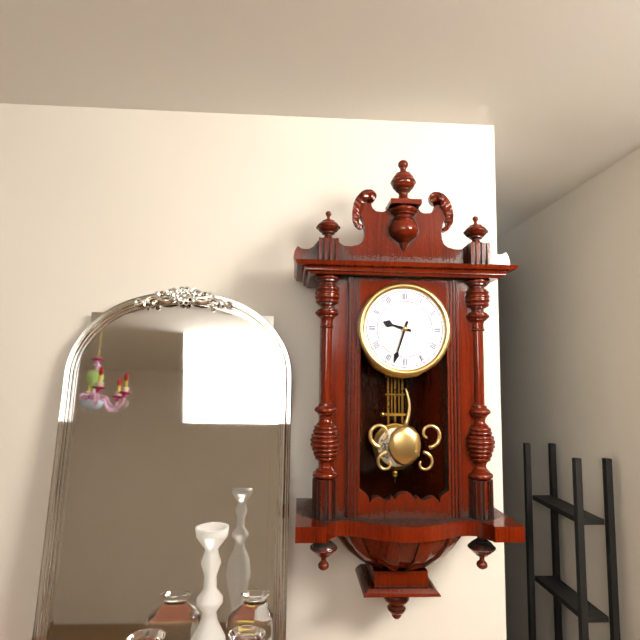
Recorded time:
h=9 m=33
